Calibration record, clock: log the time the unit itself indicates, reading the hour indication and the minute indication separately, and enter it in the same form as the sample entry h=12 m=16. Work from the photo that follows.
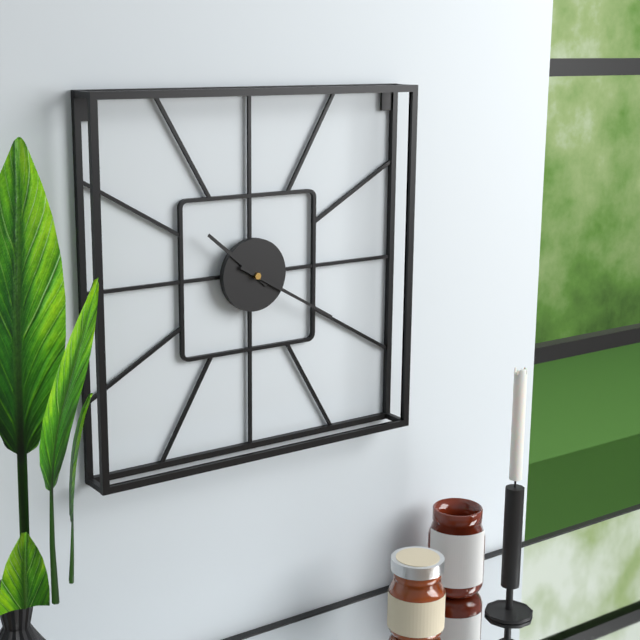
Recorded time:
h=10 m=20
